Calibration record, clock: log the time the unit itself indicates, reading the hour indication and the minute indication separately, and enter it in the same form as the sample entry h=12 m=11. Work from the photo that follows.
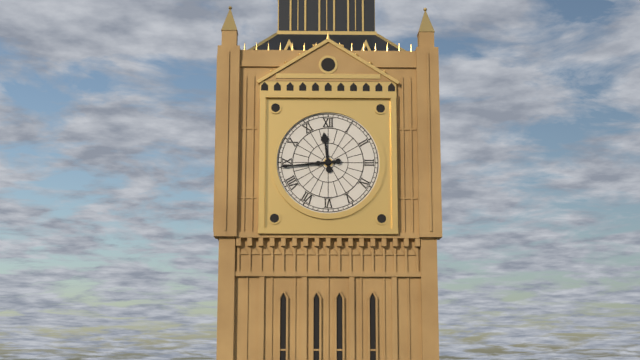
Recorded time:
h=11 m=44
